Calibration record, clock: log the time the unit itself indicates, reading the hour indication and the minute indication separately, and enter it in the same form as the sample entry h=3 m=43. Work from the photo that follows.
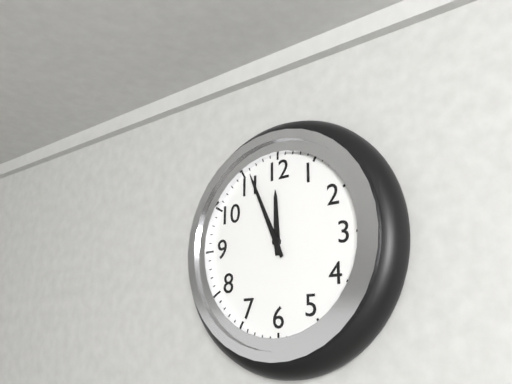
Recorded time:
h=11 m=56
